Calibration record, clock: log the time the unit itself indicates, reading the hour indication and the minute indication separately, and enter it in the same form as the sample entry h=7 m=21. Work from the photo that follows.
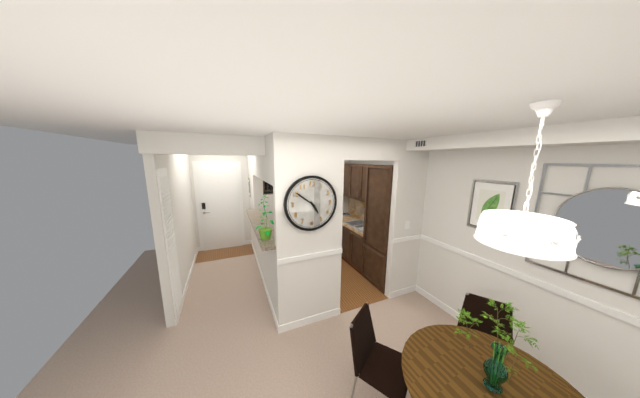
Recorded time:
h=4 m=51
